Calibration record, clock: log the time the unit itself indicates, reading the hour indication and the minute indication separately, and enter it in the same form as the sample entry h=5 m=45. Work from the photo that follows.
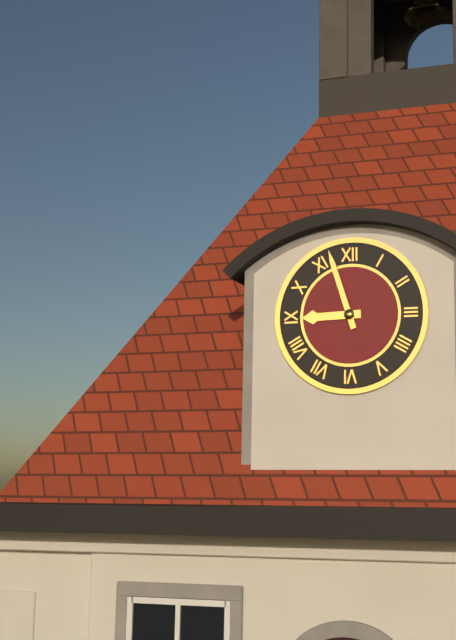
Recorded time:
h=8 m=57
